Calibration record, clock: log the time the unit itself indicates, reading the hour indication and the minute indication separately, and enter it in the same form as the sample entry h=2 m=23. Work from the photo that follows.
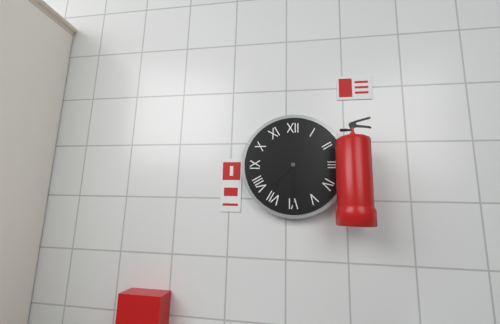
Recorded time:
h=7 m=30
